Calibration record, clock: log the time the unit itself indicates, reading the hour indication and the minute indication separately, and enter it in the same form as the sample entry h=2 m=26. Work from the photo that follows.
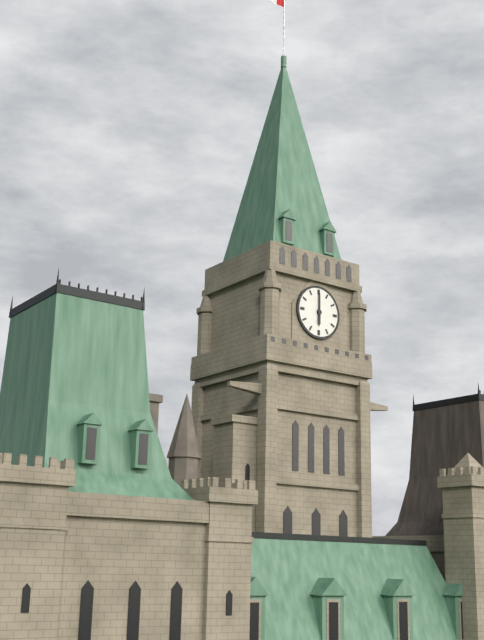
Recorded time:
h=6 m=0
